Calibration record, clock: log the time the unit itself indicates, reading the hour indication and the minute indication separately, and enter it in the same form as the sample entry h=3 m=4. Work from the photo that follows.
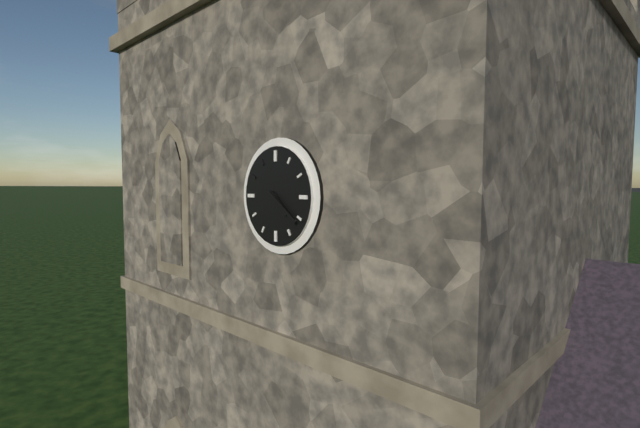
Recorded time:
h=4 m=21
